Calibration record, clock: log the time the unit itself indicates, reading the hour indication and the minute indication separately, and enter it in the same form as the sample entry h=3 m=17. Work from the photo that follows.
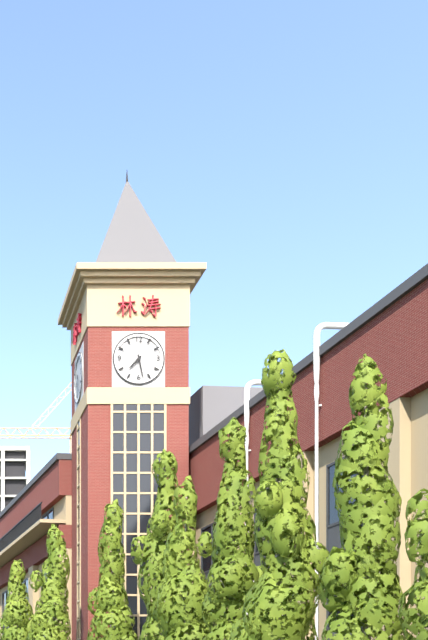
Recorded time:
h=7 m=28
